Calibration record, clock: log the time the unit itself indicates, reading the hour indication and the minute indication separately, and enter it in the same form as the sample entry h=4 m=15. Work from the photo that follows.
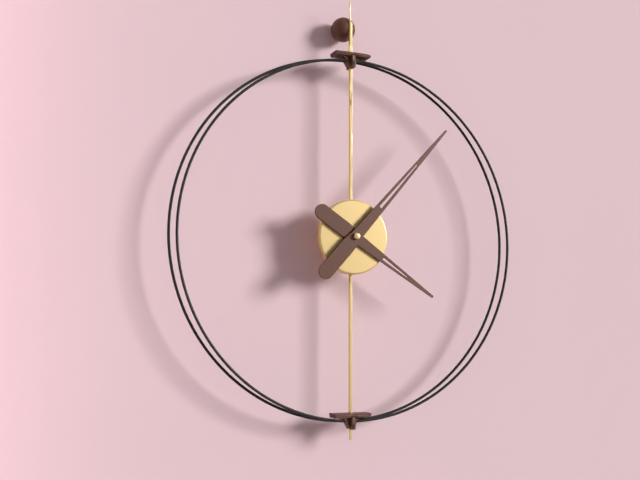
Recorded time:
h=4 m=7
